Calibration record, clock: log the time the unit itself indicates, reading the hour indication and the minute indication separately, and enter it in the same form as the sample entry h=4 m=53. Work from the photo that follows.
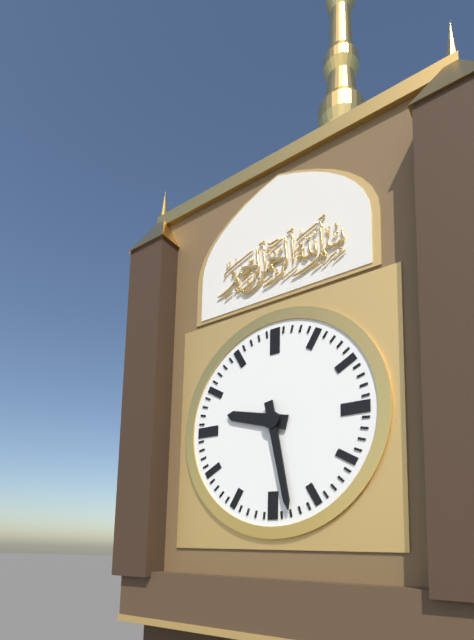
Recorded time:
h=9 m=28
